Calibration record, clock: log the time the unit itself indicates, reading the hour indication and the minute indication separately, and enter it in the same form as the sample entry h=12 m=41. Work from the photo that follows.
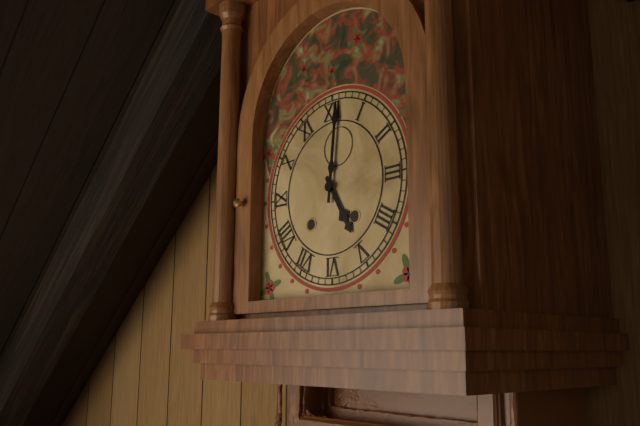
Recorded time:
h=5 m=1
